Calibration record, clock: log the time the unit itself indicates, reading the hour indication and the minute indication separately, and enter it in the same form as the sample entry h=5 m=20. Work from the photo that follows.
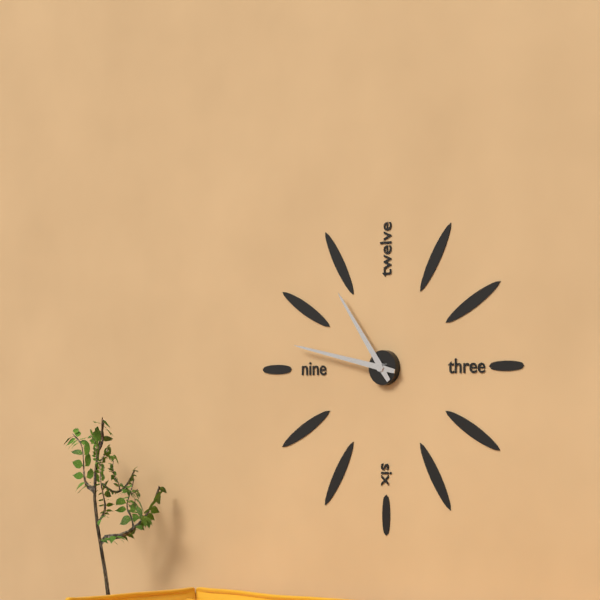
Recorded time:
h=10 m=47
